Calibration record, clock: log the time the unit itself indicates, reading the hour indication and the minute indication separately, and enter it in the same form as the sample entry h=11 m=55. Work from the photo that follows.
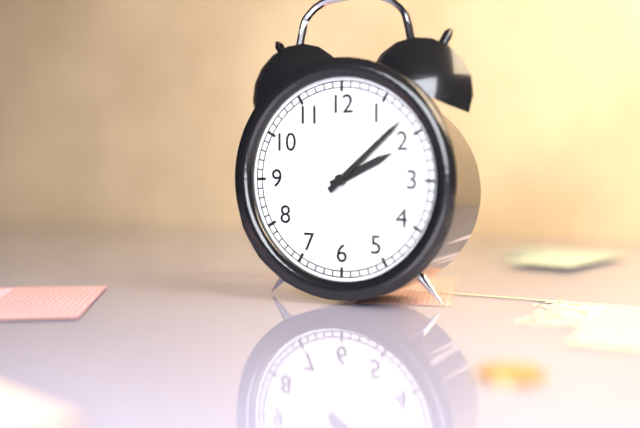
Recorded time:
h=2 m=8
